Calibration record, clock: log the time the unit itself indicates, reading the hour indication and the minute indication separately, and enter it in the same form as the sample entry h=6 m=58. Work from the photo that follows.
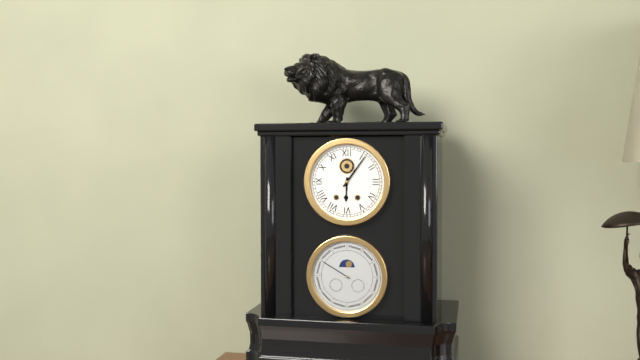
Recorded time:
h=6 m=6
